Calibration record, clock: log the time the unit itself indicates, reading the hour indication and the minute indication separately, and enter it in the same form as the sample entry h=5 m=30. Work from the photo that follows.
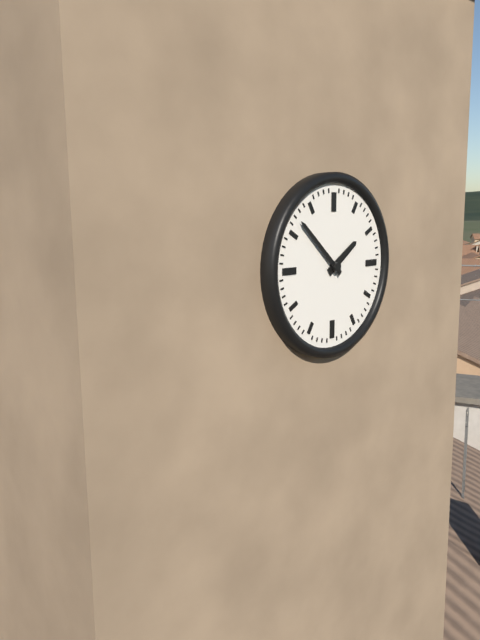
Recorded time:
h=1 m=52
